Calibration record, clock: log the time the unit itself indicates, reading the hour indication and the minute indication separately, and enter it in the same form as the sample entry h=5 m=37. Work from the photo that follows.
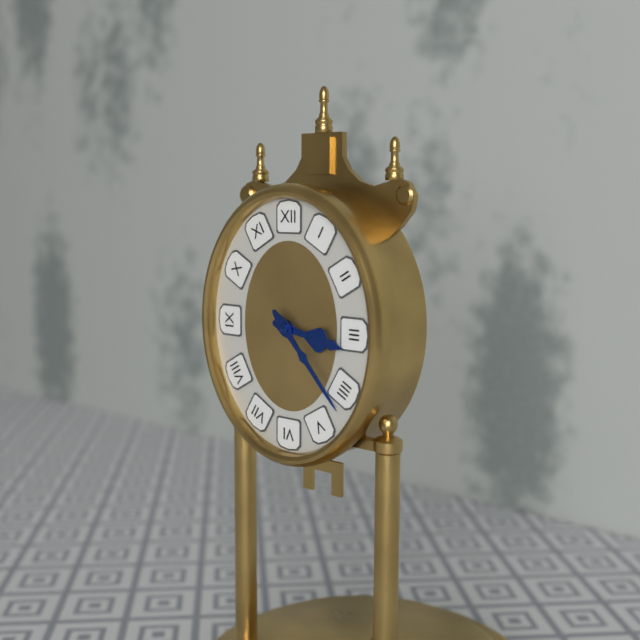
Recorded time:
h=3 m=23
